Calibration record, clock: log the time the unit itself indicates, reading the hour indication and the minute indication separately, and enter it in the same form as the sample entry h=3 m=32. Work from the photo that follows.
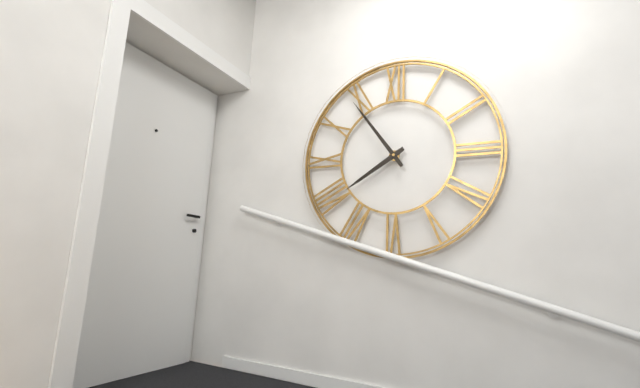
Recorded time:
h=7 m=54
